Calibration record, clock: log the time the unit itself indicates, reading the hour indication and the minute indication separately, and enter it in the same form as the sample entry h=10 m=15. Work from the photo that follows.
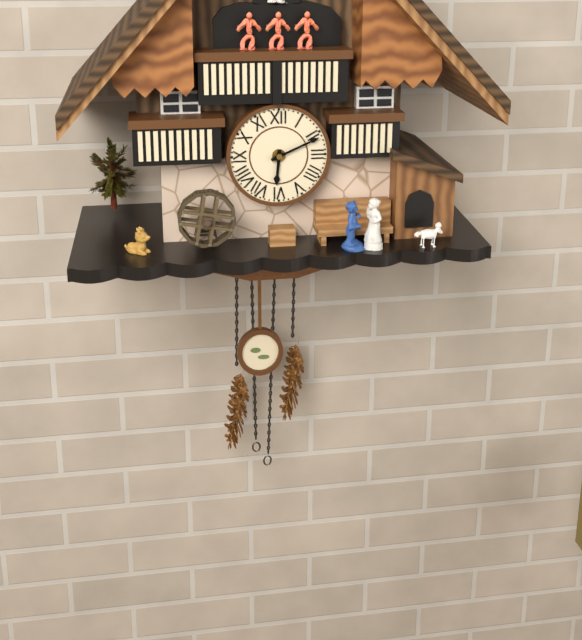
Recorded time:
h=6 m=11
